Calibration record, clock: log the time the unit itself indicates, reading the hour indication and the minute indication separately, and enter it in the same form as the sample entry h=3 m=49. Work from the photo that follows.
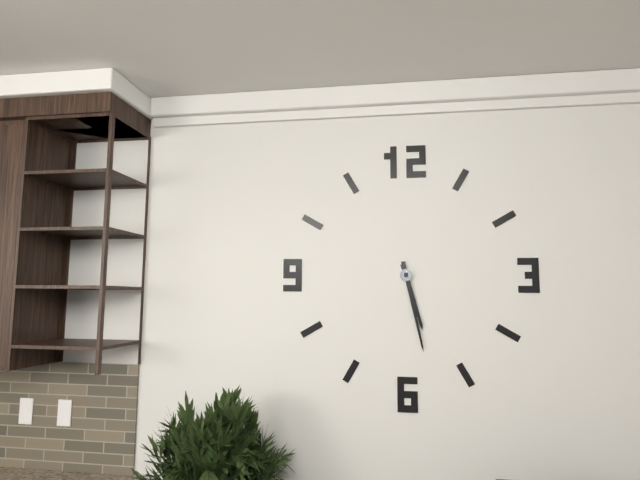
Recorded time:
h=5 m=28
